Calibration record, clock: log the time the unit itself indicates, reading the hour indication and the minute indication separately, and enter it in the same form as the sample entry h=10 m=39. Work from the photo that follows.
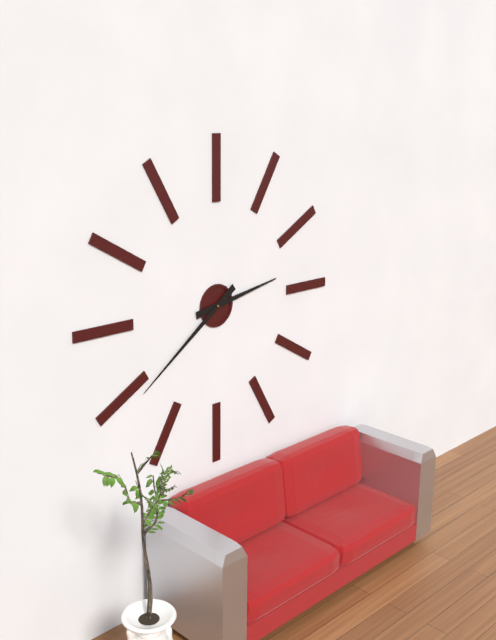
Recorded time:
h=2 m=39
